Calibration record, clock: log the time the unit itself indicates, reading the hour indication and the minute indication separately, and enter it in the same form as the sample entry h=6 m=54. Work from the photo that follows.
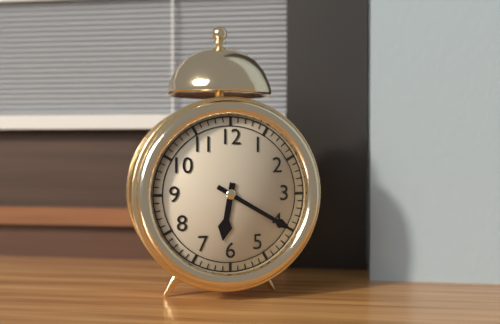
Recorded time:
h=6 m=20
